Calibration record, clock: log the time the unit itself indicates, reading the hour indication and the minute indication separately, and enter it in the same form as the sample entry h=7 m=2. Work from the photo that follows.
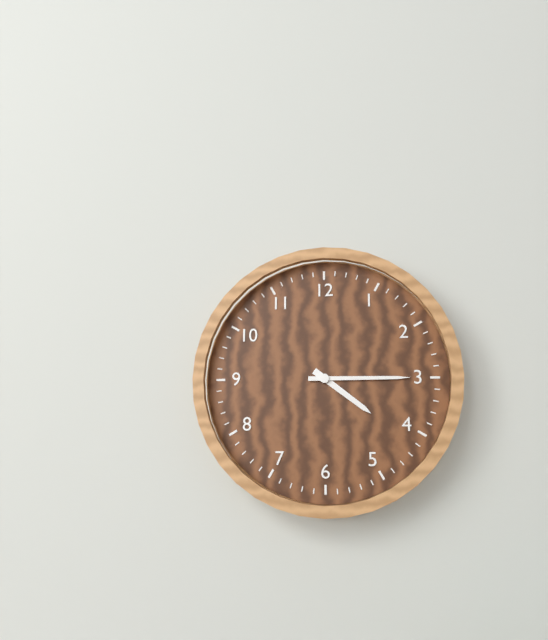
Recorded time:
h=4 m=15
